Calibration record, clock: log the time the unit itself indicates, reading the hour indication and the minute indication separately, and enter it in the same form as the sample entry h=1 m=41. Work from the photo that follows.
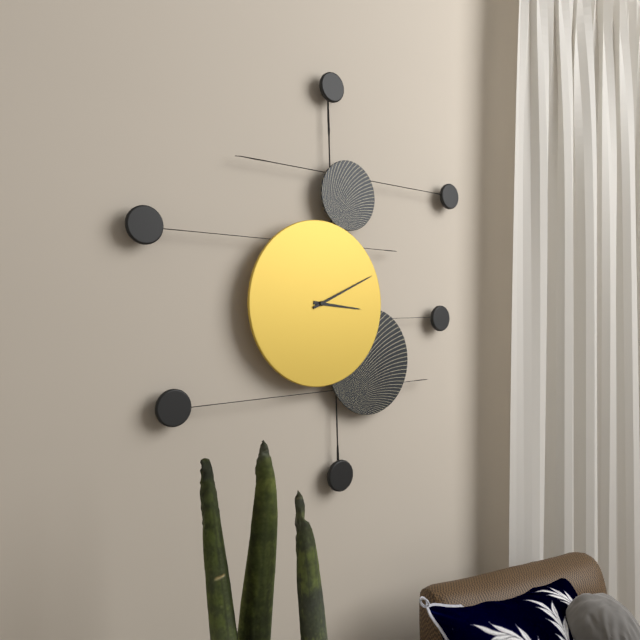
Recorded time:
h=3 m=11
